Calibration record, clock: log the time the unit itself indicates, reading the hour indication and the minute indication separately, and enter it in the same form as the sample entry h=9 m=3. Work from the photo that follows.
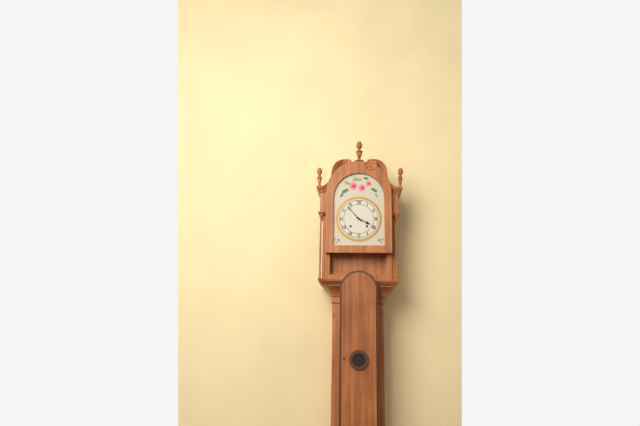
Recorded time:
h=3 m=53
